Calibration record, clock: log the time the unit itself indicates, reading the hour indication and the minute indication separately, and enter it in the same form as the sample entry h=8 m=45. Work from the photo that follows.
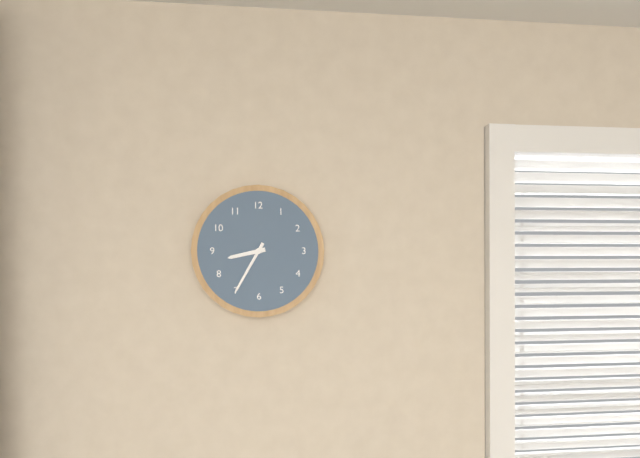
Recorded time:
h=8 m=35
